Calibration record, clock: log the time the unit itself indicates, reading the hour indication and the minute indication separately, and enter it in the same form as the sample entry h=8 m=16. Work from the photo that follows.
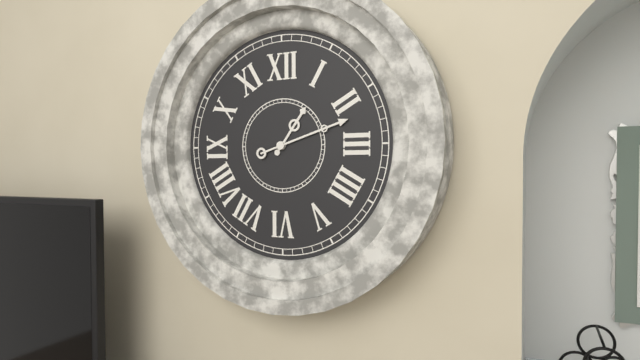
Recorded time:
h=1 m=12
